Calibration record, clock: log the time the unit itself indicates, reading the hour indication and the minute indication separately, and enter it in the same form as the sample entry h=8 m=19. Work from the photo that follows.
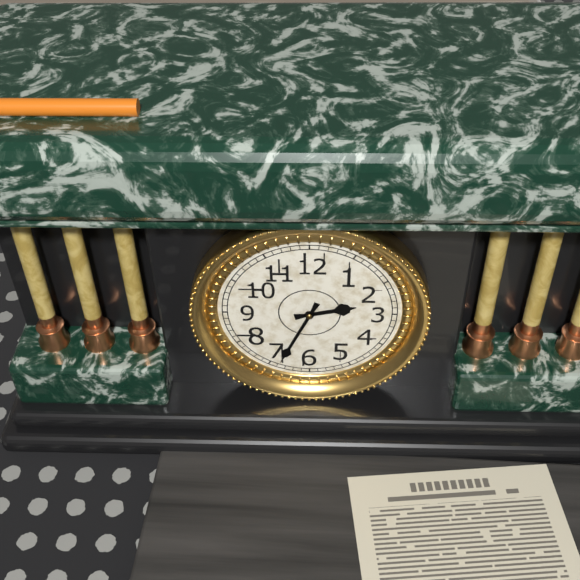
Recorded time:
h=2 m=34
